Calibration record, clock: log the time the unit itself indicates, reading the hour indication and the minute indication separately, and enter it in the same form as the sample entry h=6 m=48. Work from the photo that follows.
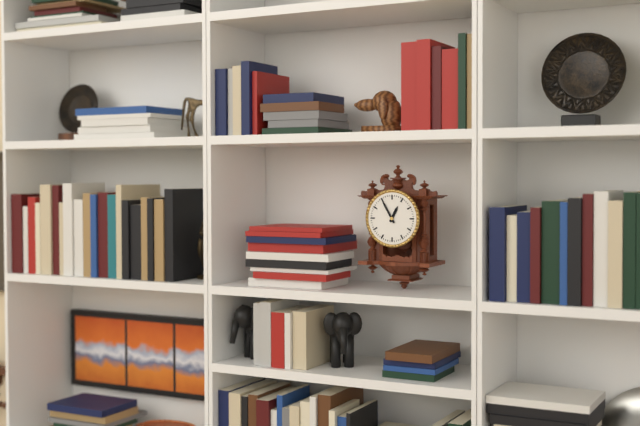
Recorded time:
h=12 m=55
